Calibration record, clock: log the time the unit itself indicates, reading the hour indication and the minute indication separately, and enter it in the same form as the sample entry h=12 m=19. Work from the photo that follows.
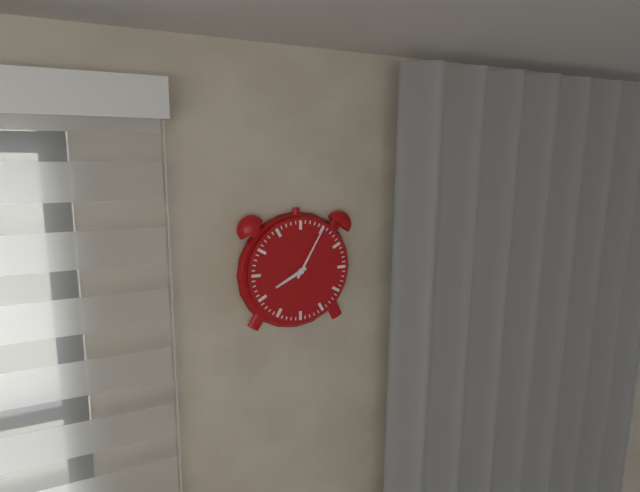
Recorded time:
h=8 m=5
